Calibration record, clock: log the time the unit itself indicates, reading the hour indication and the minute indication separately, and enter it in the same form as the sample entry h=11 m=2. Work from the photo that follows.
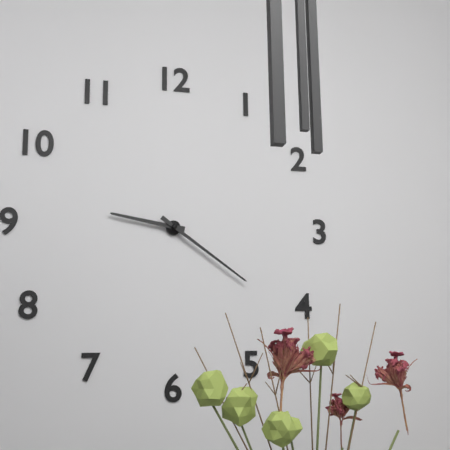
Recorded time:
h=9 m=21
